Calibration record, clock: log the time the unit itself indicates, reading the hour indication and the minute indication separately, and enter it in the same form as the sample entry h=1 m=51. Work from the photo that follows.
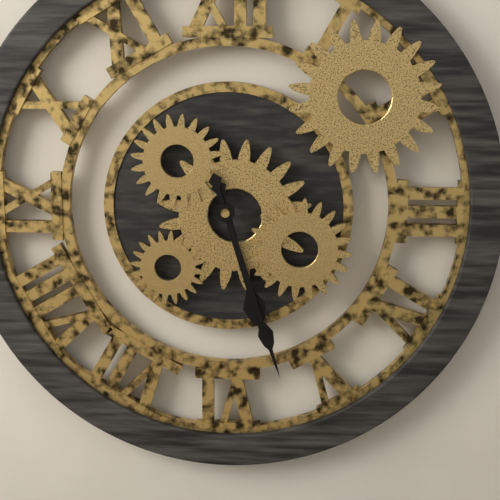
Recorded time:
h=5 m=27
